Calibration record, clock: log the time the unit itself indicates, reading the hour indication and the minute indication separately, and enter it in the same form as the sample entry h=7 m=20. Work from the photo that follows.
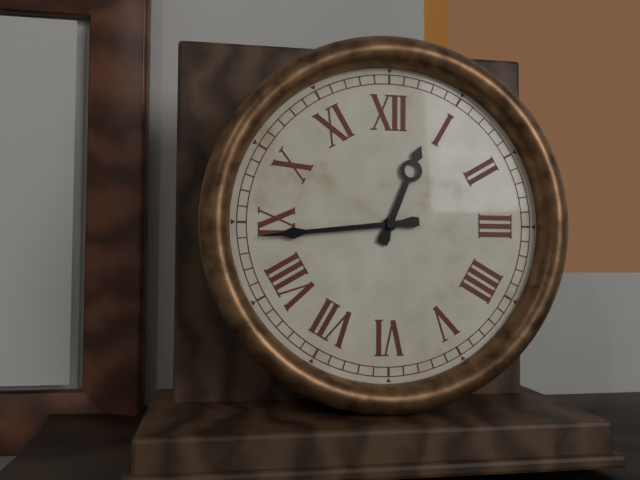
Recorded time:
h=12 m=44
